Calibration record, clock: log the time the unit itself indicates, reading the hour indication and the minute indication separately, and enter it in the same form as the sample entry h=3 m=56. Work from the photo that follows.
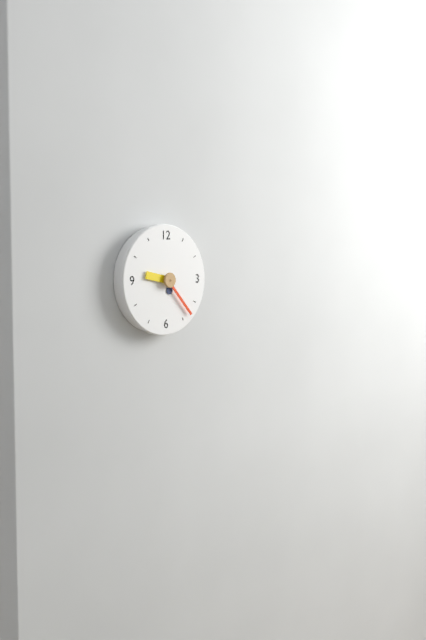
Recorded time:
h=9 m=23
